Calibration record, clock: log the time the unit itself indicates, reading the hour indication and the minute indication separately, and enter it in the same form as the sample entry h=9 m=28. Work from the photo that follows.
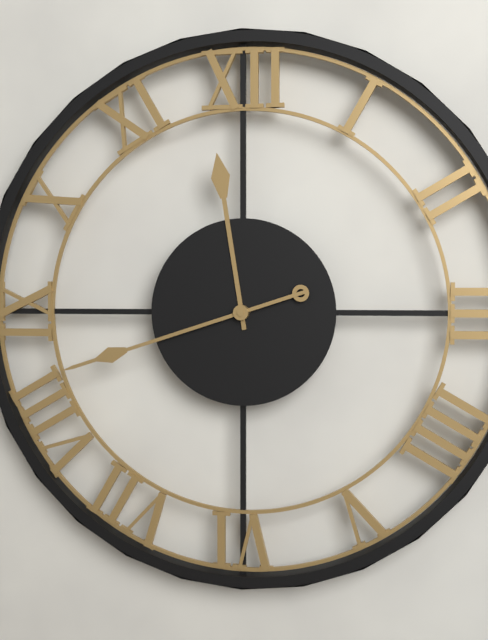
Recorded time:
h=11 m=42
